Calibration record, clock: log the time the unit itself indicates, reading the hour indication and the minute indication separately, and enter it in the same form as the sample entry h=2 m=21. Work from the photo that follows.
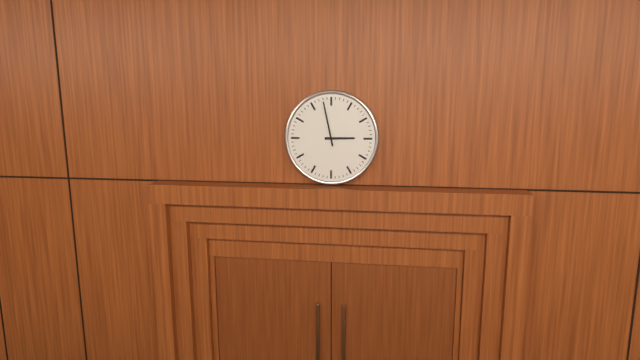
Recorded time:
h=2 m=58
